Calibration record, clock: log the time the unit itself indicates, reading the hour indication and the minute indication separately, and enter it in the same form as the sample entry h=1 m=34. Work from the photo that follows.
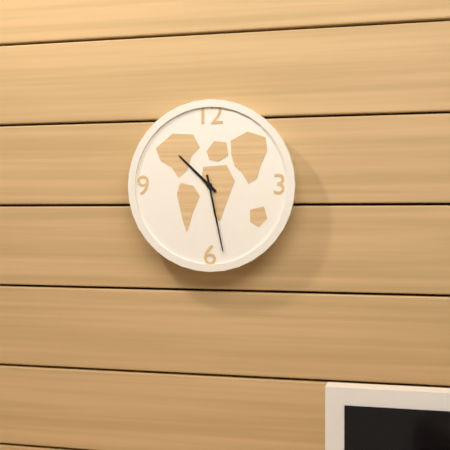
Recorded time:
h=10 m=28
